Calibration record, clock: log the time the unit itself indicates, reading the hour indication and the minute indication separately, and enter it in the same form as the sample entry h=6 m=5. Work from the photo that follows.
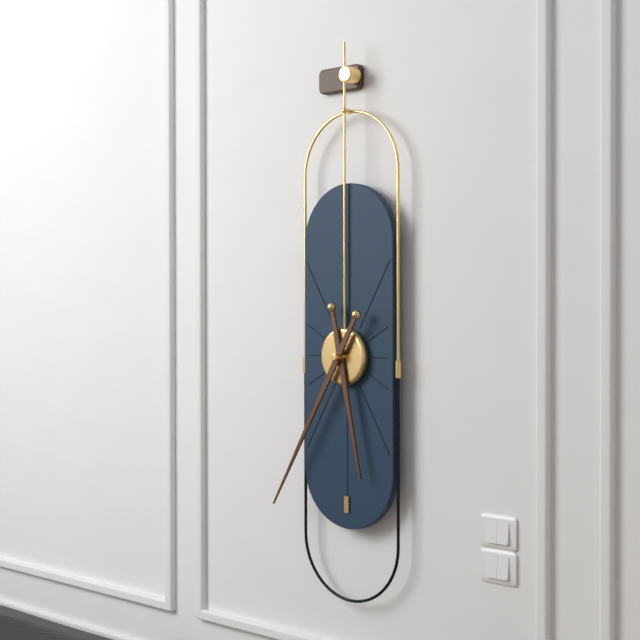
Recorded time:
h=5 m=35
